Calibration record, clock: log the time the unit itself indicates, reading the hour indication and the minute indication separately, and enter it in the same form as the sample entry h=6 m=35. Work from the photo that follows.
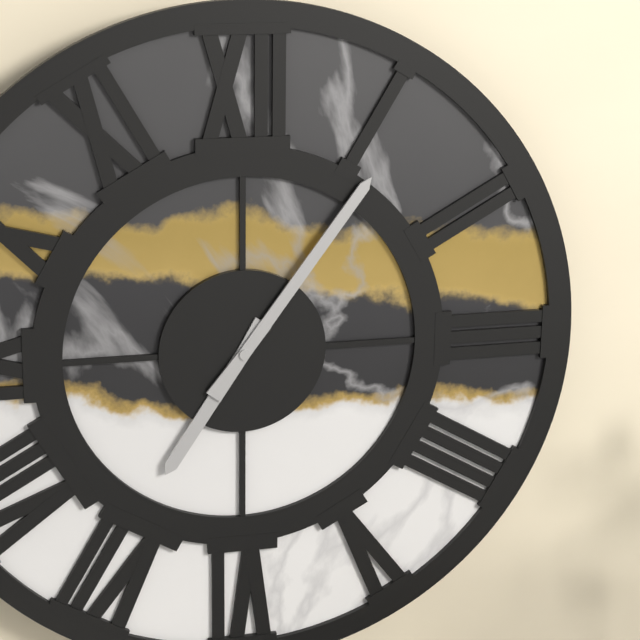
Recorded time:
h=7 m=6
